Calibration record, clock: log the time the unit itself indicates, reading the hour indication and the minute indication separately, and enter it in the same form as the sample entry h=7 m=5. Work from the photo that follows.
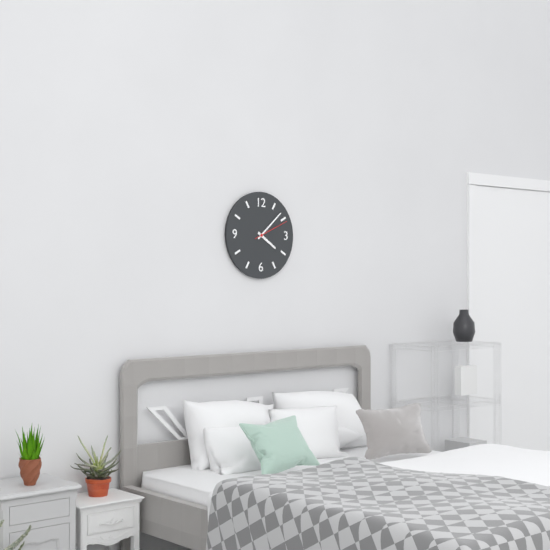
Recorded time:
h=4 m=8
